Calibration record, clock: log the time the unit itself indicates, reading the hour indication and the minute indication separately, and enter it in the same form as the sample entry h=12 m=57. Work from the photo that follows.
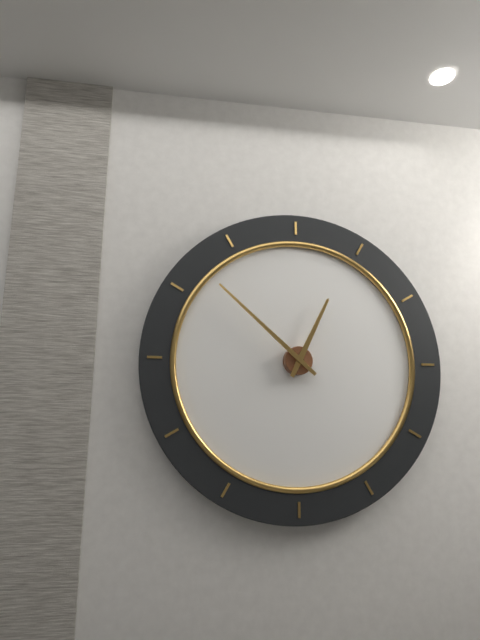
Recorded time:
h=12 m=52
